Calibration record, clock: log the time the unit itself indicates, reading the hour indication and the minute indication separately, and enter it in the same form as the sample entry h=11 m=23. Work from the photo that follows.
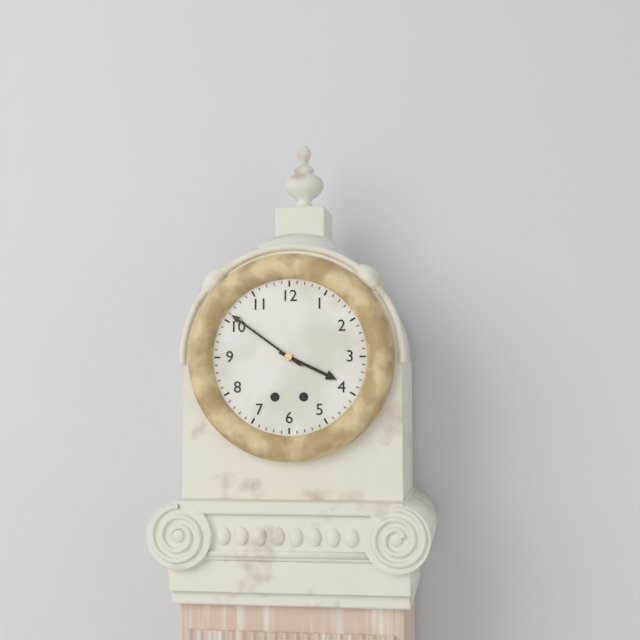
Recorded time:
h=3 m=51
